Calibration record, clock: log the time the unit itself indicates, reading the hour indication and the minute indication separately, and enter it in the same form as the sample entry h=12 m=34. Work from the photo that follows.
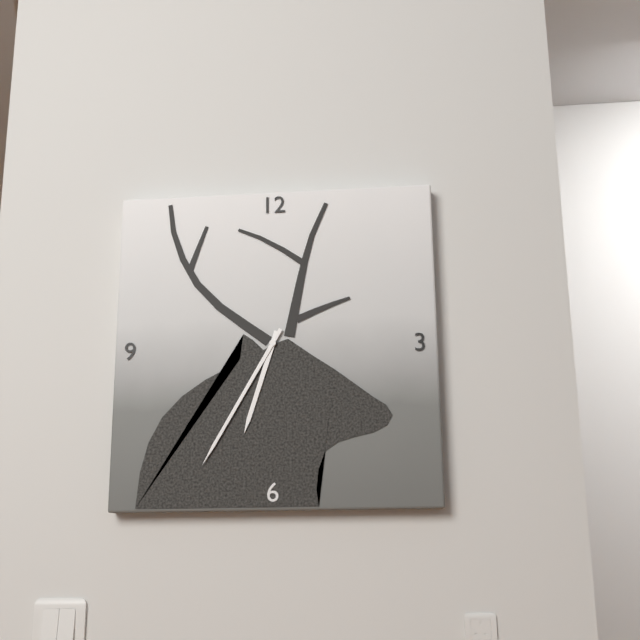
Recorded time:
h=6 m=35
